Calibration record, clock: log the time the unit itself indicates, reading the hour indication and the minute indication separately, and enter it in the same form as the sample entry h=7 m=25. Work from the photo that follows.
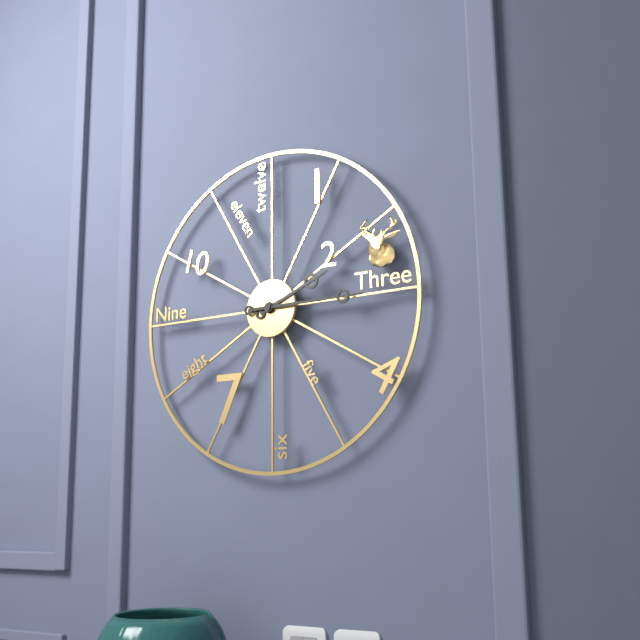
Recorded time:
h=2 m=15
